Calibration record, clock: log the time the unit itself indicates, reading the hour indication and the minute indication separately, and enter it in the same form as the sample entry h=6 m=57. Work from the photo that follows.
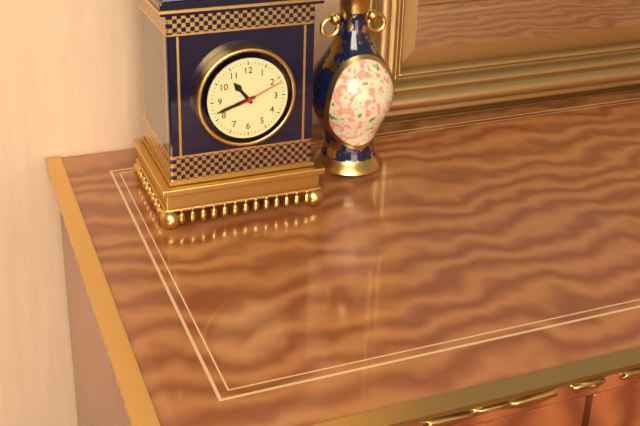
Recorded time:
h=10 m=42
